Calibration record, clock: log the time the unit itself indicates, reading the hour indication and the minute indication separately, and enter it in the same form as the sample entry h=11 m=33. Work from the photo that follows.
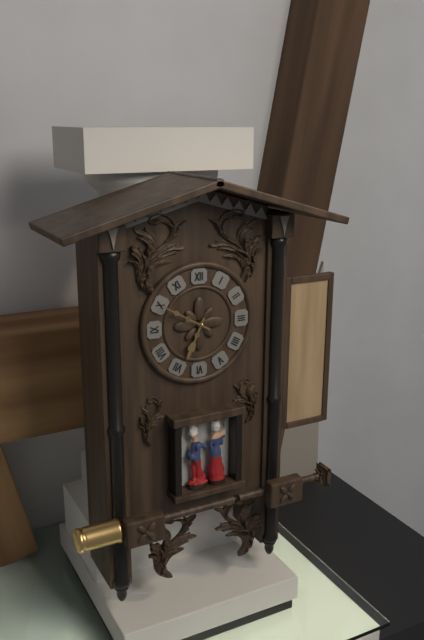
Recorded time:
h=6 m=50
